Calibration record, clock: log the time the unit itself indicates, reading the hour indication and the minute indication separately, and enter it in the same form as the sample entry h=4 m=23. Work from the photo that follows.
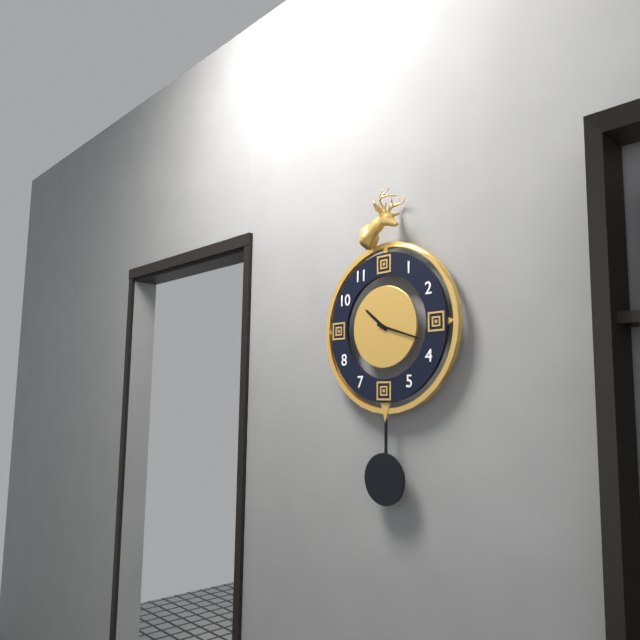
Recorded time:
h=10 m=18
